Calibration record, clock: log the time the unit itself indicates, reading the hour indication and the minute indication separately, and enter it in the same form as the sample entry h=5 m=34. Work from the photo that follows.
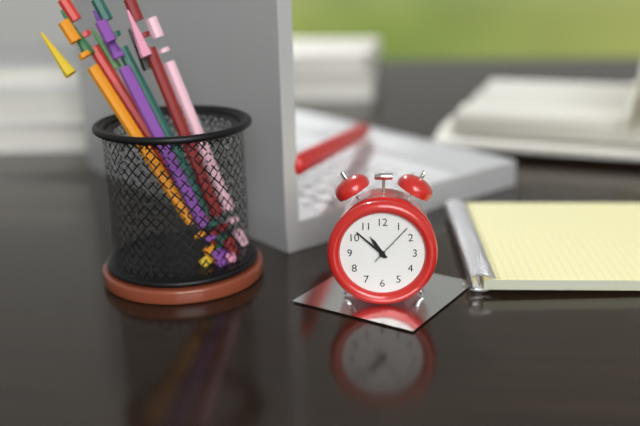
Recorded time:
h=10 m=52
